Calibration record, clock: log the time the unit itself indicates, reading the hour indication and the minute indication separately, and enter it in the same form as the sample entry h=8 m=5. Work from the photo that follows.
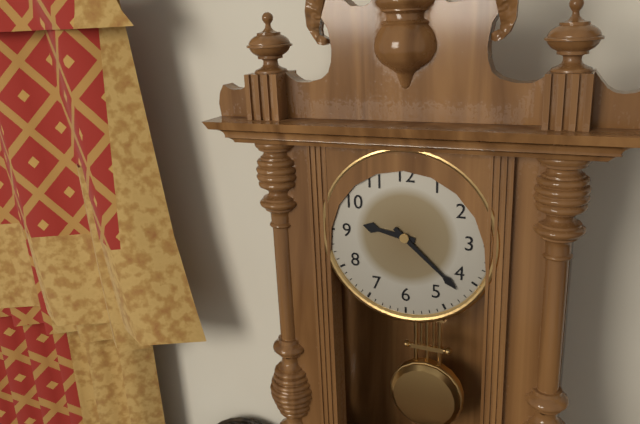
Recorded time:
h=9 m=22
